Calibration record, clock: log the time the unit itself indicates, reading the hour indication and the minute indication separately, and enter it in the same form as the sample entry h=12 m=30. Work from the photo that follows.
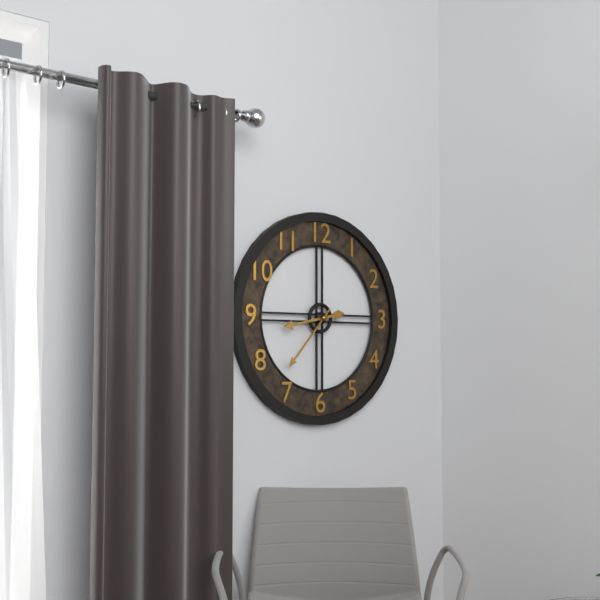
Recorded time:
h=8 m=37
